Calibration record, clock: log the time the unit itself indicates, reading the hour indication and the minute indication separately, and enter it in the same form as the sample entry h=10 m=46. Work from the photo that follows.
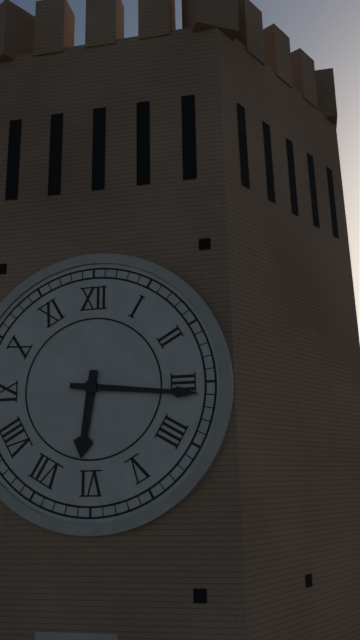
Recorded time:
h=6 m=16
